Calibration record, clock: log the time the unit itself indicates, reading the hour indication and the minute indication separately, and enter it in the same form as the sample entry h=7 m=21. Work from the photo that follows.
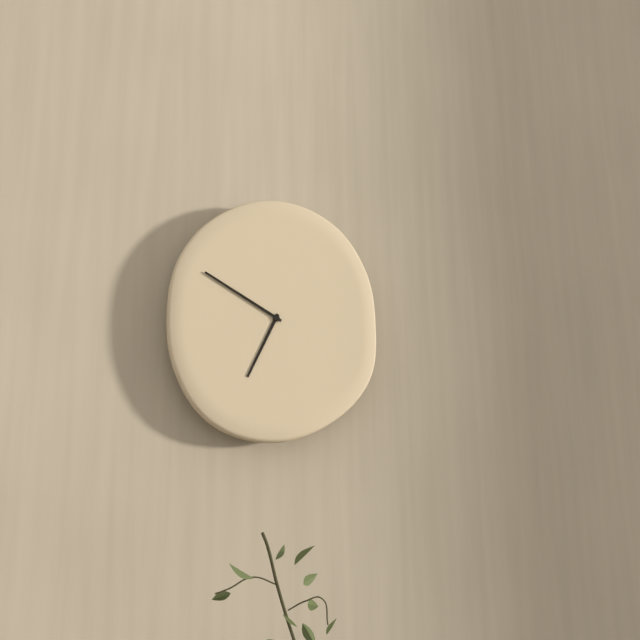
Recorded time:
h=6 m=50
